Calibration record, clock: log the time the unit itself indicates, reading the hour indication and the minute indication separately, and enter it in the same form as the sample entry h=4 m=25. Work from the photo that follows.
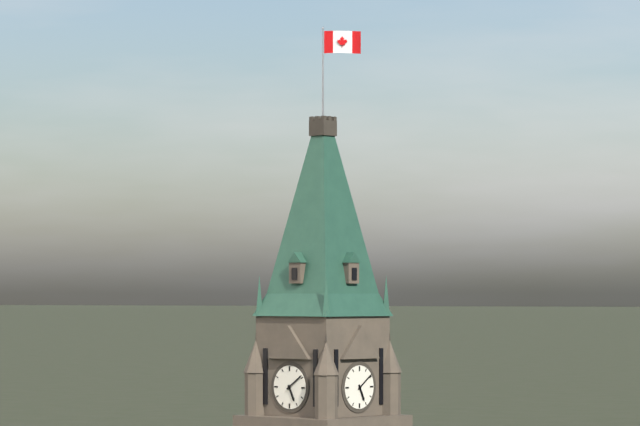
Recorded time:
h=5 m=9
